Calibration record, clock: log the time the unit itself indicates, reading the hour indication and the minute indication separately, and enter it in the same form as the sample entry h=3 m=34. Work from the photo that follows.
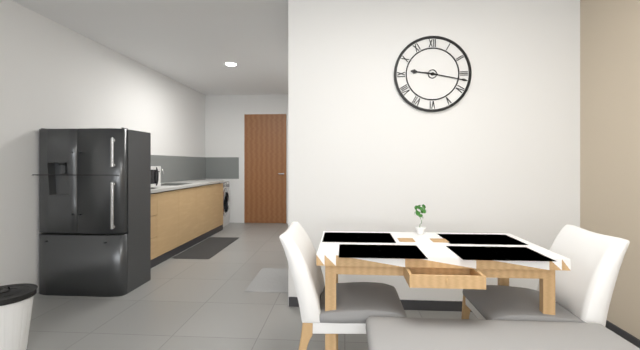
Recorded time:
h=9 m=17
